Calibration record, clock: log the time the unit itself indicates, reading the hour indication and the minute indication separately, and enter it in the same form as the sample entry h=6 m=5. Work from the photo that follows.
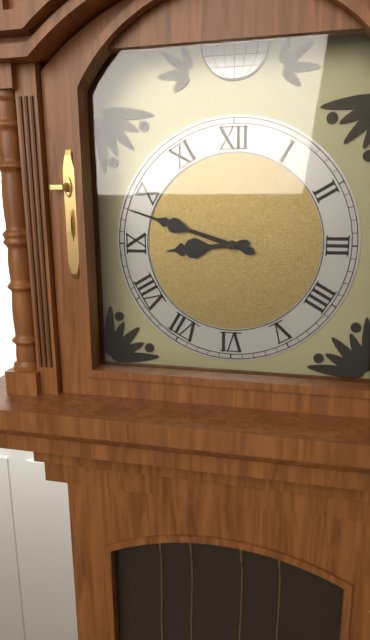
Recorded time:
h=8 m=48
